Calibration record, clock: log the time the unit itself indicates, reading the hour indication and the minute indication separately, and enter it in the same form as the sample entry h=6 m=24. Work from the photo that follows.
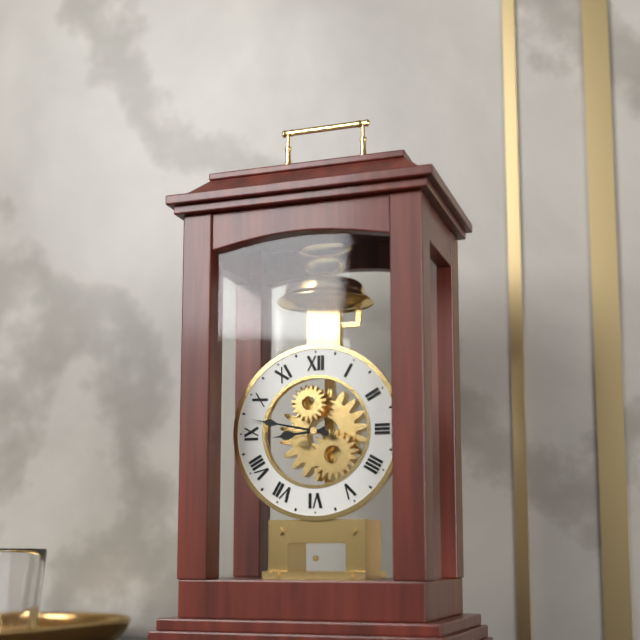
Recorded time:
h=8 m=47
